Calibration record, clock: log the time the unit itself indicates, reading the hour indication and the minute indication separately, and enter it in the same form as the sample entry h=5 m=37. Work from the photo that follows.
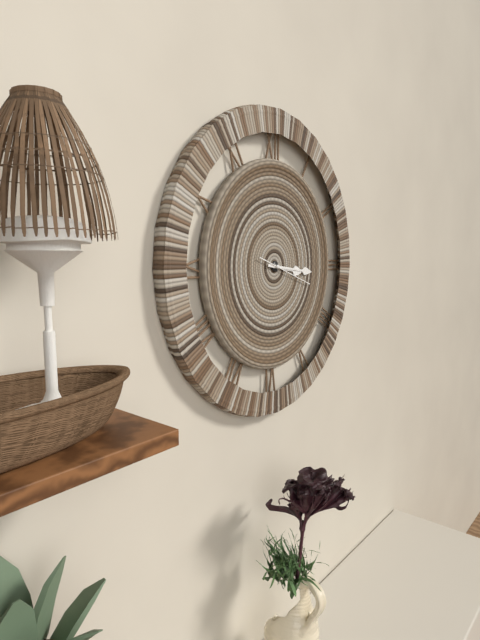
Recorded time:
h=3 m=16
